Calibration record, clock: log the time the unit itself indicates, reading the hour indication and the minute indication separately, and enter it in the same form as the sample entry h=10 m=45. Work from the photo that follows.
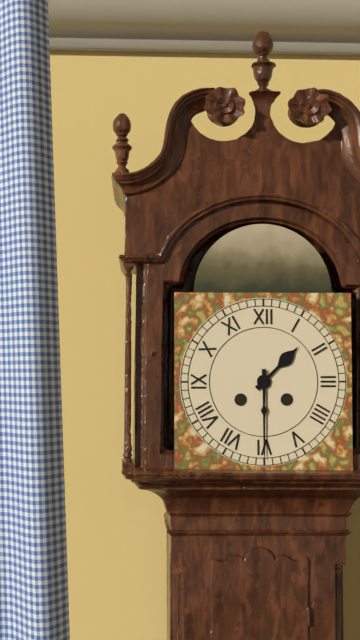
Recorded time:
h=1 m=30
